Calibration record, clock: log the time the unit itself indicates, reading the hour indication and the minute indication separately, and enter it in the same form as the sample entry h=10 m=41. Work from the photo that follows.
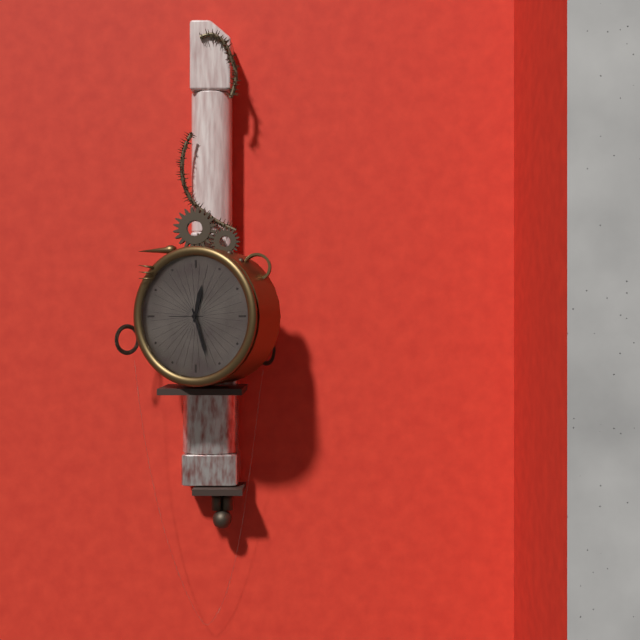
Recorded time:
h=12 m=27
